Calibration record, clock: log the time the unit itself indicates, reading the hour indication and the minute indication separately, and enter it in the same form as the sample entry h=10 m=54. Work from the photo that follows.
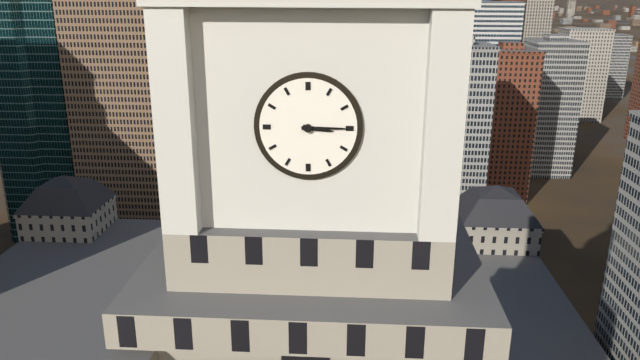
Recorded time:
h=3 m=15
